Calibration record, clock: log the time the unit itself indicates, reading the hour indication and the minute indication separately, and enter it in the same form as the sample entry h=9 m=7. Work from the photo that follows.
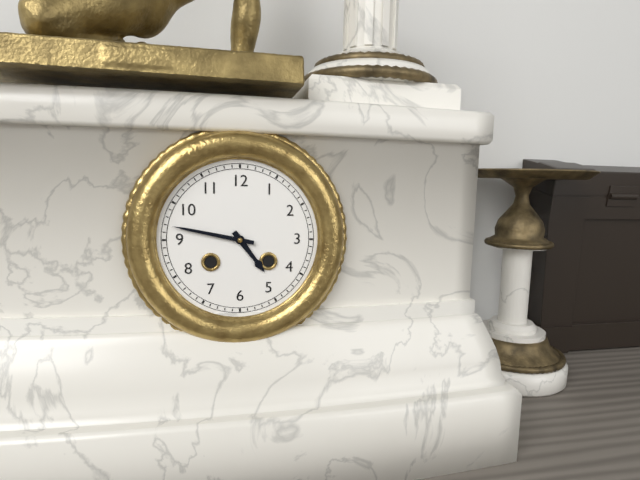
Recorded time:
h=4 m=47
